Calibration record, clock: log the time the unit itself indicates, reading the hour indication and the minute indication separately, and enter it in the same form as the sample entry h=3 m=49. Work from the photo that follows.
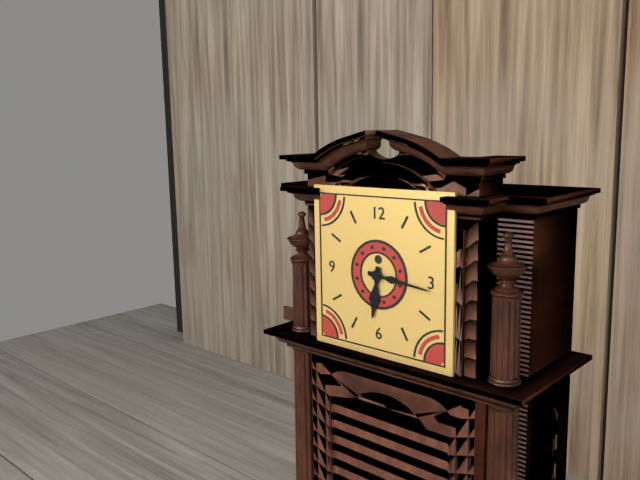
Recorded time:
h=6 m=16
